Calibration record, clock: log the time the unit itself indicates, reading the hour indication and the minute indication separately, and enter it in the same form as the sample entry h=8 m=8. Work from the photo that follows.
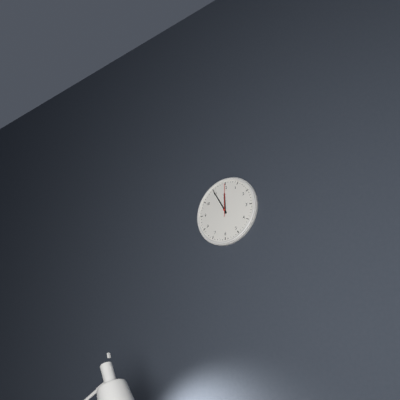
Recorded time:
h=11 m=55
